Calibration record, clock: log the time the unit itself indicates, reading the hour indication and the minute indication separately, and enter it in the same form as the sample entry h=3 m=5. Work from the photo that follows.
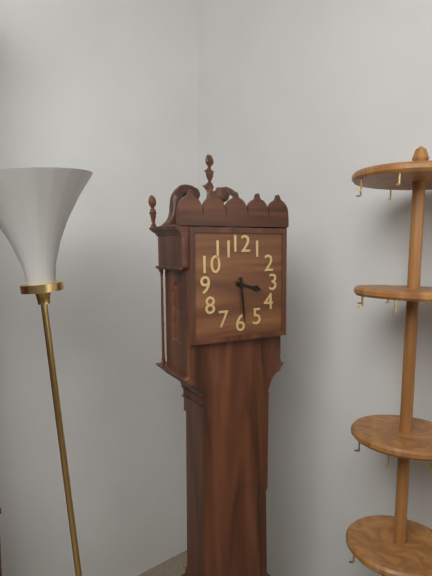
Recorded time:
h=3 m=29
